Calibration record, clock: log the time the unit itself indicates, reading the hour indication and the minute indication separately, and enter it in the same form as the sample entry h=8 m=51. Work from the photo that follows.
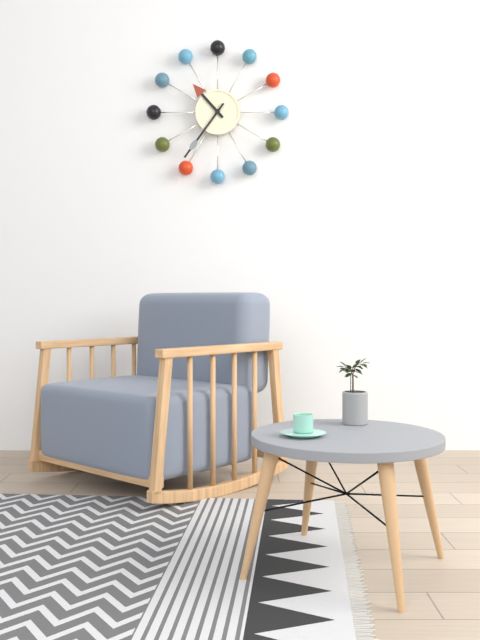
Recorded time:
h=10 m=36
